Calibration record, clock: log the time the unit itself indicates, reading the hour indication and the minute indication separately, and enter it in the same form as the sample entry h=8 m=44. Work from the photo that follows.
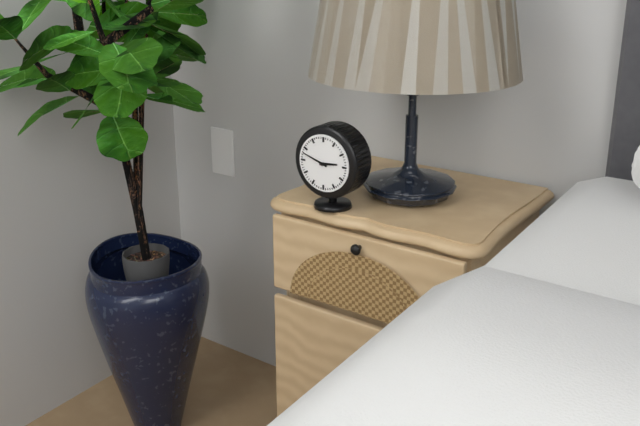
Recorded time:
h=2 m=48
